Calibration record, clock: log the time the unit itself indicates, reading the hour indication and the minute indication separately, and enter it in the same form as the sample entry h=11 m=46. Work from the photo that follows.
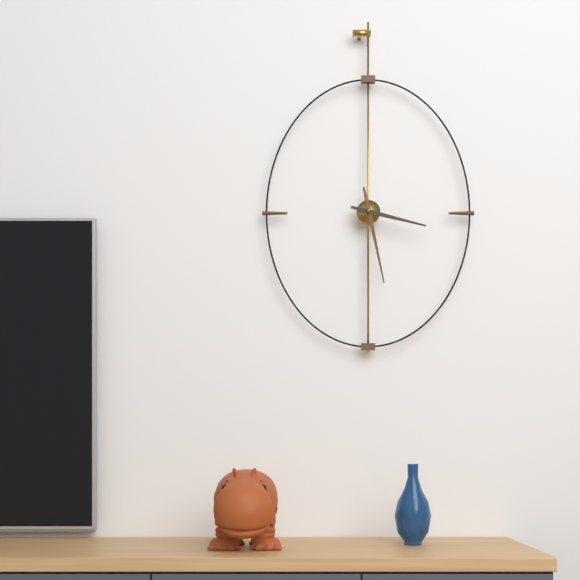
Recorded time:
h=3 m=28
